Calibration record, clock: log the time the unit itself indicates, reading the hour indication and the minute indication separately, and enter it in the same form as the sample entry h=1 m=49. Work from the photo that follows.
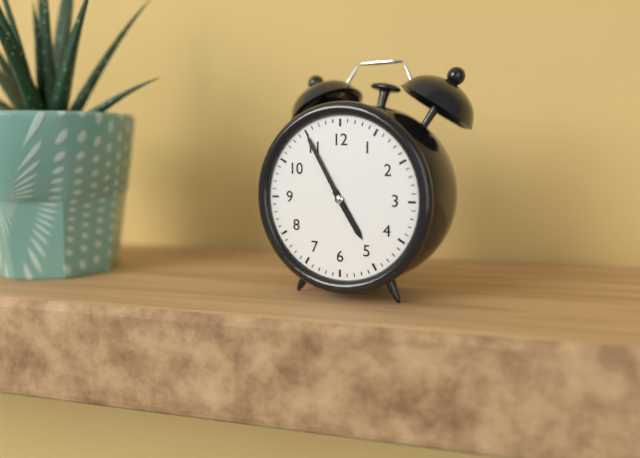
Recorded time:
h=4 m=55
